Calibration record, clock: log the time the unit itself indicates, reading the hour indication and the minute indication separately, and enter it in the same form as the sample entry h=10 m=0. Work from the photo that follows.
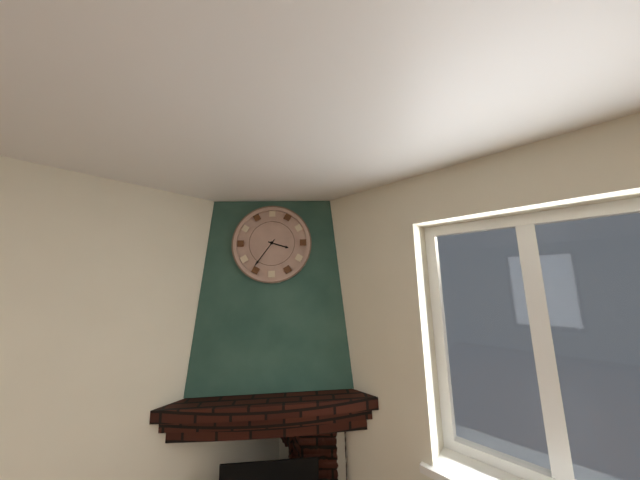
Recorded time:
h=3 m=36
